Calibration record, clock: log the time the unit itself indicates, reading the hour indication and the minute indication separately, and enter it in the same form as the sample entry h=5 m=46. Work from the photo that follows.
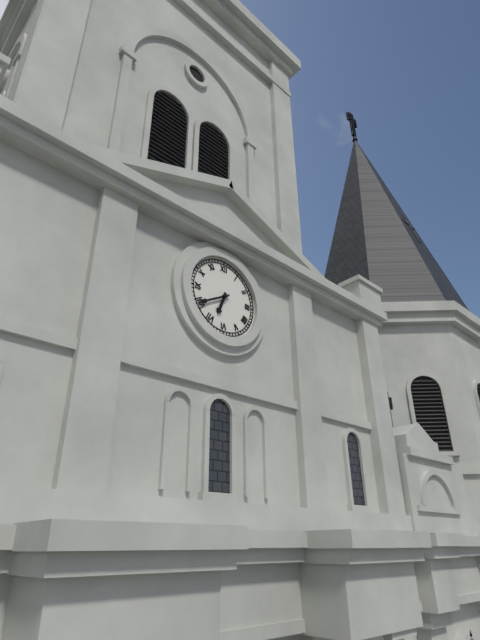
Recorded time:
h=6 m=40
